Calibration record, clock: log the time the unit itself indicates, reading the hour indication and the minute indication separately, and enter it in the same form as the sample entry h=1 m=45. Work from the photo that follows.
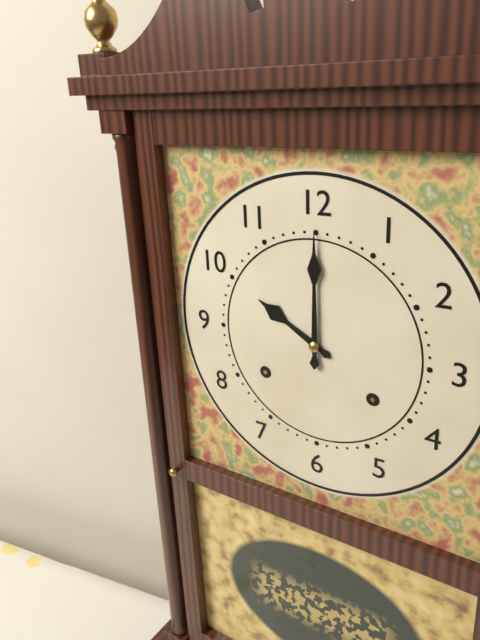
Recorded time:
h=10 m=0
